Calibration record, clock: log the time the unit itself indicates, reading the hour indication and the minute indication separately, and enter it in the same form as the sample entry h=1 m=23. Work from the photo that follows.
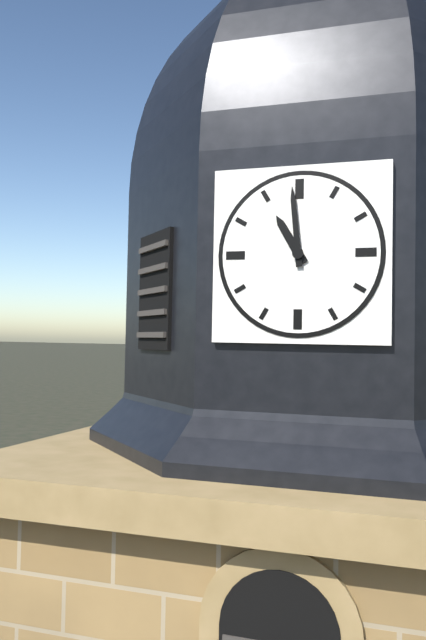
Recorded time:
h=10 m=59
